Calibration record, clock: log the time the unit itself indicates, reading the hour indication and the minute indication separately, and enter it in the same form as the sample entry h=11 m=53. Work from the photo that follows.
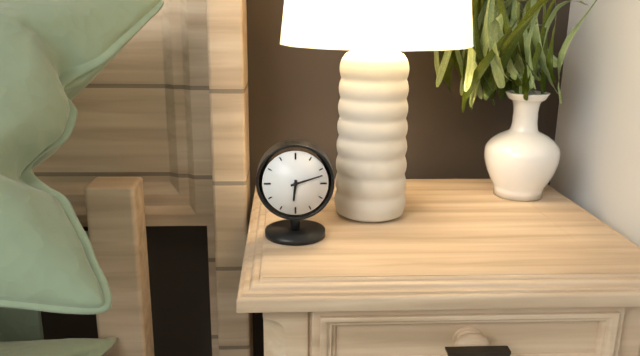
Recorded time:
h=6 m=12
